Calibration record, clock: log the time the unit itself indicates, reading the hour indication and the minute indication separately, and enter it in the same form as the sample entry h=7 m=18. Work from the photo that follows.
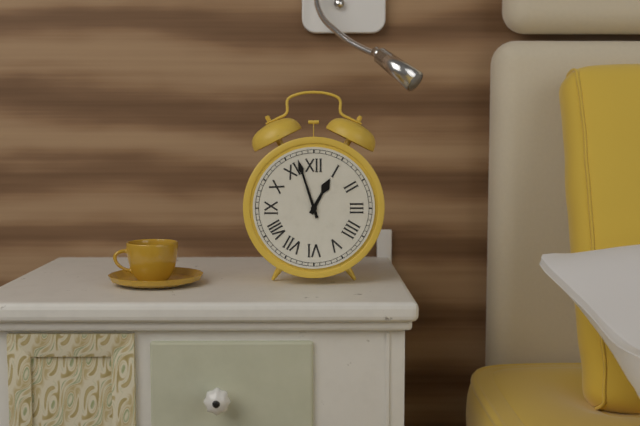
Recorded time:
h=12 m=57
